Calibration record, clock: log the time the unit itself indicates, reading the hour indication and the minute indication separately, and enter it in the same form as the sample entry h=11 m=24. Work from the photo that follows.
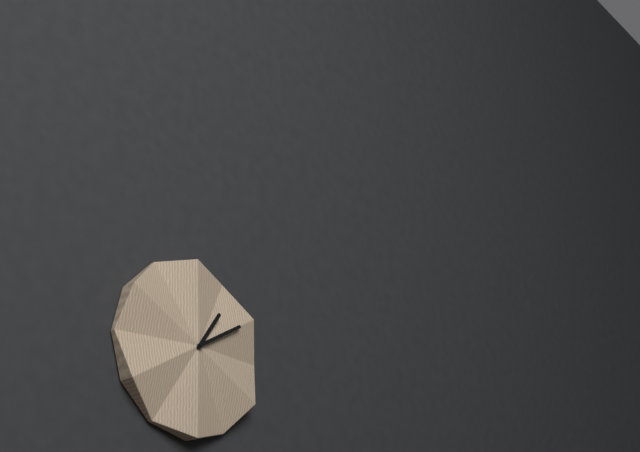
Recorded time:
h=1 m=10
